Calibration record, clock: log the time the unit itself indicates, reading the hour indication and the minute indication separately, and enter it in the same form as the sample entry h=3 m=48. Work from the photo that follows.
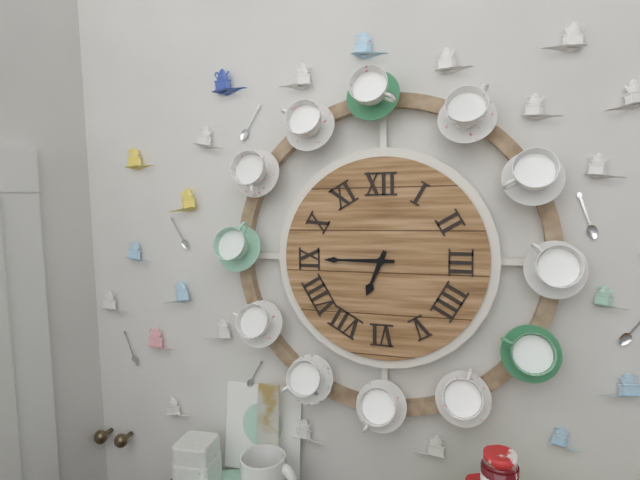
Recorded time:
h=6 m=45
